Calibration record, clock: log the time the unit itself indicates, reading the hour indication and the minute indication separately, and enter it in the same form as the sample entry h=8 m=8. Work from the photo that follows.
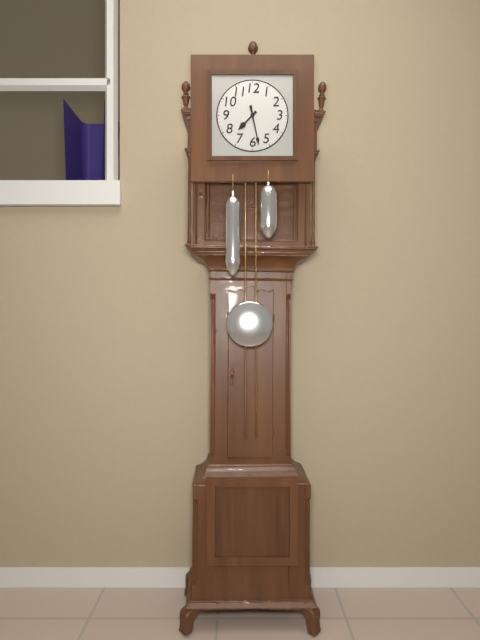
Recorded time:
h=7 m=28
